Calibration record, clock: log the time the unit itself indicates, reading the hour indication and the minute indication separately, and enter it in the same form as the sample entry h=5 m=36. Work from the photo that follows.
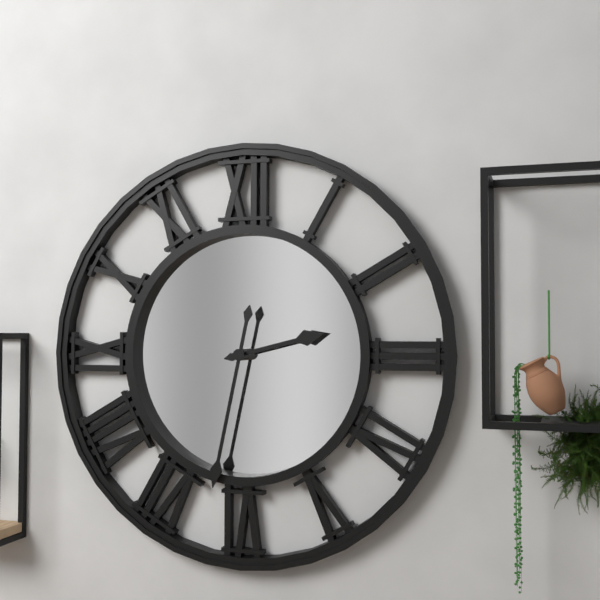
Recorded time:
h=2 m=32
